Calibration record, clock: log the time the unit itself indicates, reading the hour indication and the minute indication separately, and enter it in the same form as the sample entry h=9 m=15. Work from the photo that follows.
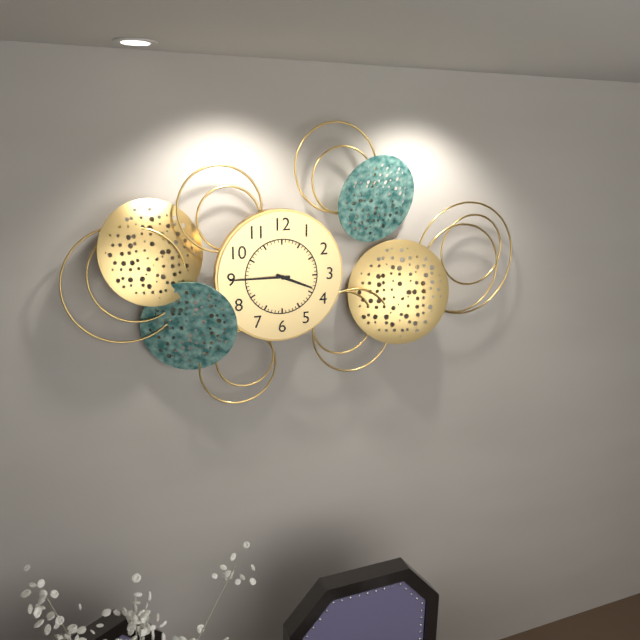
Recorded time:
h=3 m=45
